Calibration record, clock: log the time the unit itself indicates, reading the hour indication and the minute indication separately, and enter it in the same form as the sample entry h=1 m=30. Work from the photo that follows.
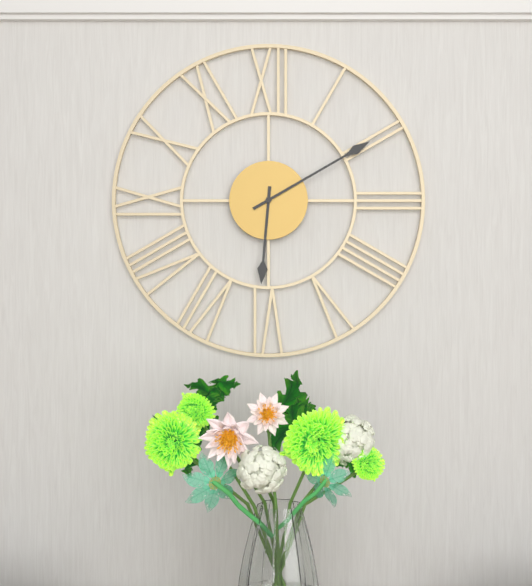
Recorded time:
h=6 m=10
